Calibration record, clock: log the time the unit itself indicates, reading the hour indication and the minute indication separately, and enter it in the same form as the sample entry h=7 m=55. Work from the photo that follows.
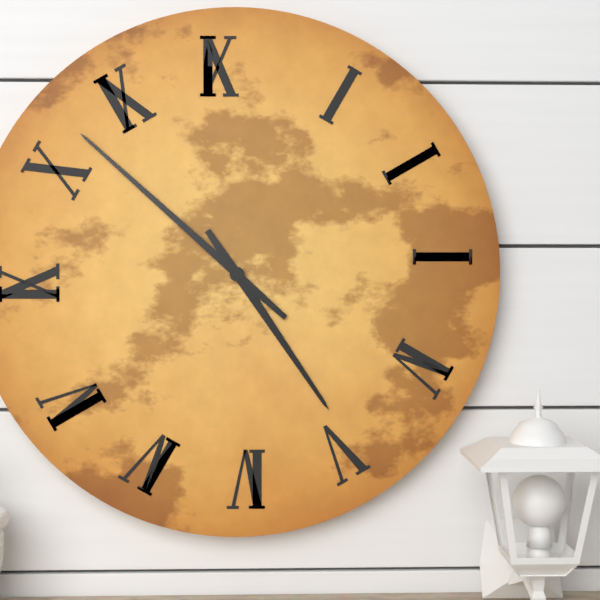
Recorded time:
h=4 m=52
